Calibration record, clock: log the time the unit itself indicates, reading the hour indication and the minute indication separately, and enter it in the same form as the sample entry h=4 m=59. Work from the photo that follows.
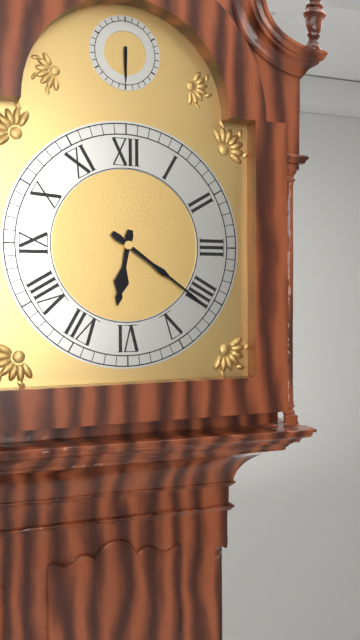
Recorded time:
h=6 m=21
